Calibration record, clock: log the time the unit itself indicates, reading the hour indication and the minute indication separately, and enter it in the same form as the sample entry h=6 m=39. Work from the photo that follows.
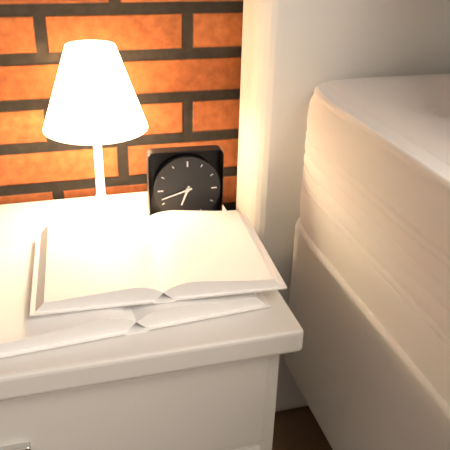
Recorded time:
h=6 m=42
